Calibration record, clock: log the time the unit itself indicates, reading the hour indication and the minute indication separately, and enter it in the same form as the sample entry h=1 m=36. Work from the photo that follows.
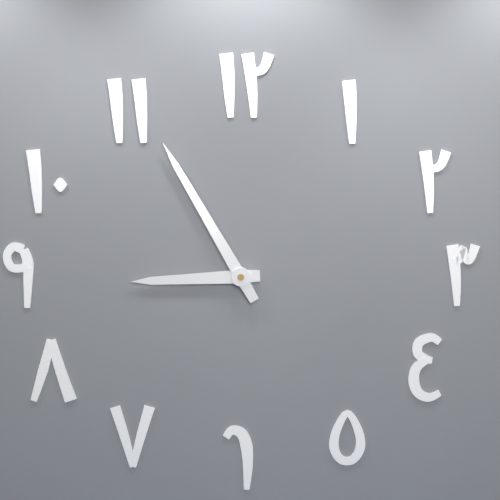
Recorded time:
h=8 m=55
